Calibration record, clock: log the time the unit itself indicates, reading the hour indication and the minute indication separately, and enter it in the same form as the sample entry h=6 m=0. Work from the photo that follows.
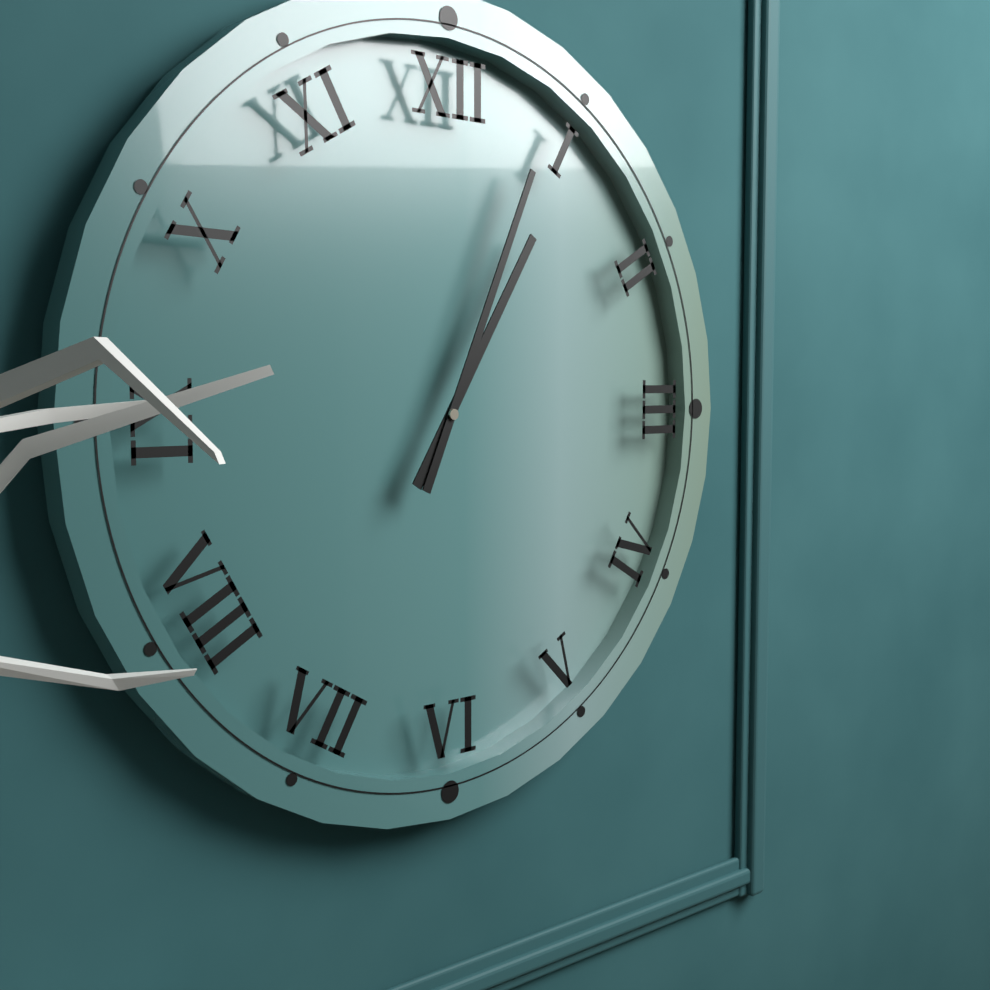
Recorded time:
h=1 m=4
